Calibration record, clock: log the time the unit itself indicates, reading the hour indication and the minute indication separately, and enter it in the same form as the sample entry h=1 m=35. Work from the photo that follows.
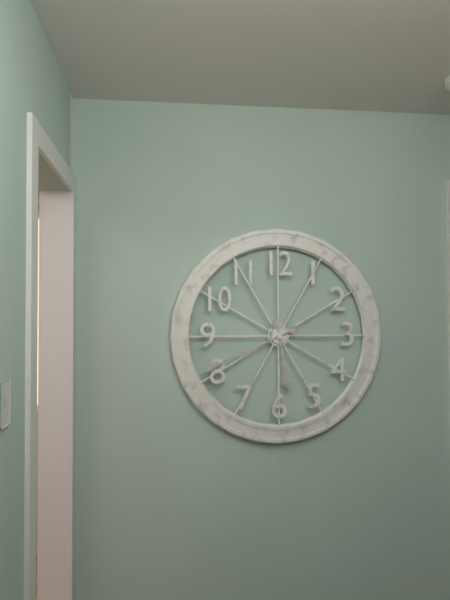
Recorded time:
h=5 m=41
